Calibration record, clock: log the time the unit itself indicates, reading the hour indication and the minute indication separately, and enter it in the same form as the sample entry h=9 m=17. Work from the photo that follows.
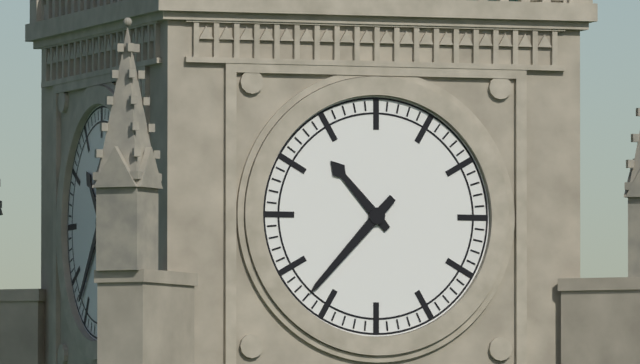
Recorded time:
h=10 m=37
